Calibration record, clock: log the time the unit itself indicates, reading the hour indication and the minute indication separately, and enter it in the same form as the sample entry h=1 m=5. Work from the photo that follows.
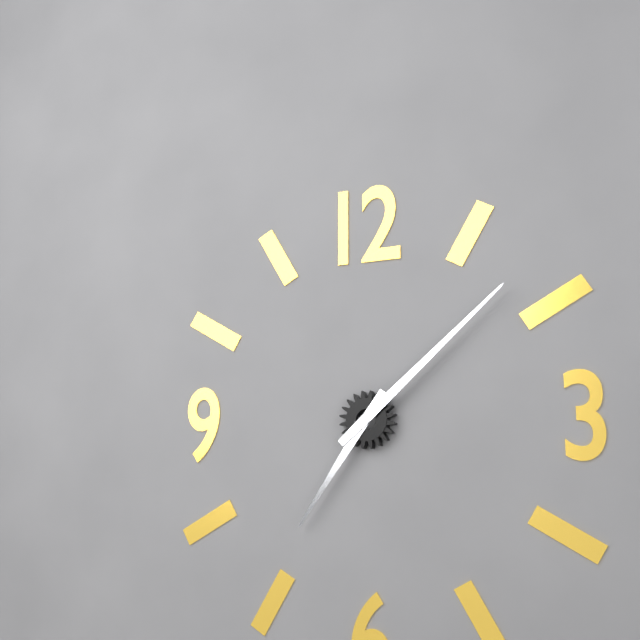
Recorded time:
h=7 m=8
